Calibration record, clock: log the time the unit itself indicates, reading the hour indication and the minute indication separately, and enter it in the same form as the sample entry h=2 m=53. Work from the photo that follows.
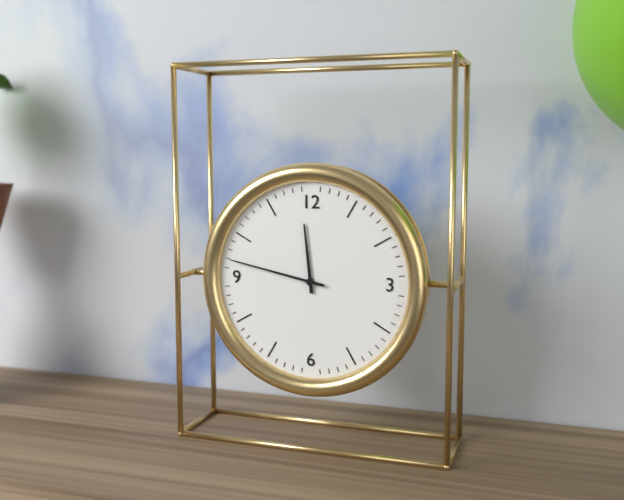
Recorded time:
h=11 m=47
